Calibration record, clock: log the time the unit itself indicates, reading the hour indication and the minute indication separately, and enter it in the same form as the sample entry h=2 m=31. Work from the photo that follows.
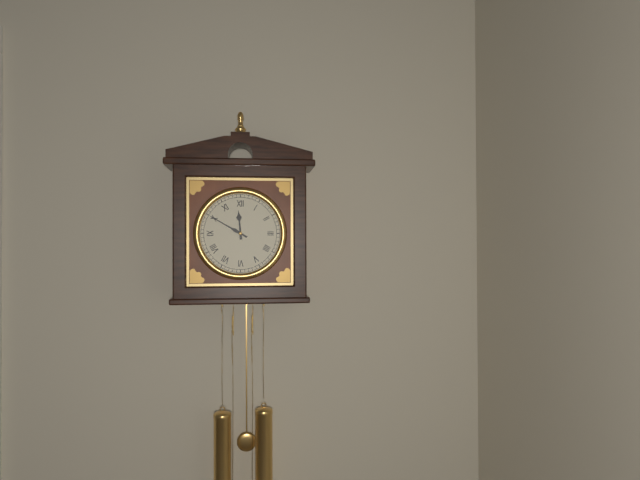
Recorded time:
h=11 m=50
